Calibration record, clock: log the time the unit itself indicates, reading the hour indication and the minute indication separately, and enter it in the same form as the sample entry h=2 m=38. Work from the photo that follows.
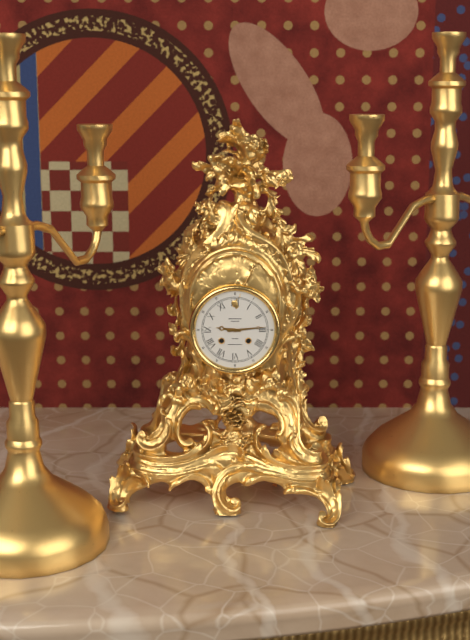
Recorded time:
h=9 m=14
